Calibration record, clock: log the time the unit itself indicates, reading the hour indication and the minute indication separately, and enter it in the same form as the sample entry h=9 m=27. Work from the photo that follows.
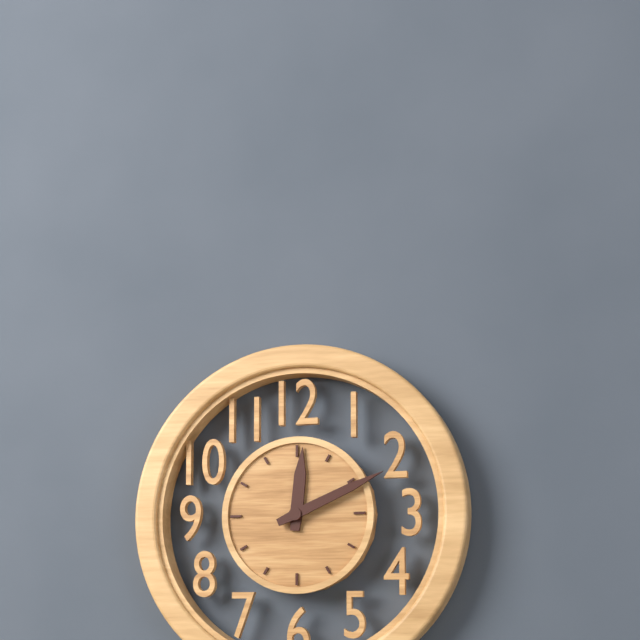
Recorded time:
h=12 m=11
